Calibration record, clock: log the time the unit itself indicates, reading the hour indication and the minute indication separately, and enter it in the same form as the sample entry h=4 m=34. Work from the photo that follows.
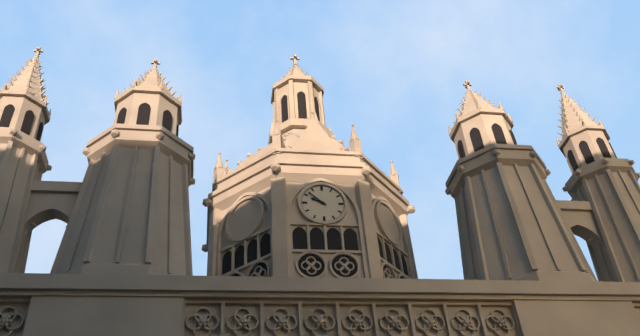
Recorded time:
h=9 m=52
